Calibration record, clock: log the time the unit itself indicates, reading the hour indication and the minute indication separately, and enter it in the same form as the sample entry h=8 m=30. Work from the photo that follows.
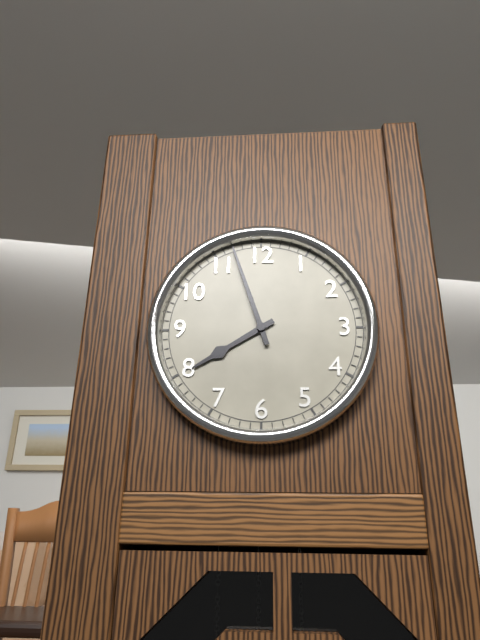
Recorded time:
h=7 m=57
